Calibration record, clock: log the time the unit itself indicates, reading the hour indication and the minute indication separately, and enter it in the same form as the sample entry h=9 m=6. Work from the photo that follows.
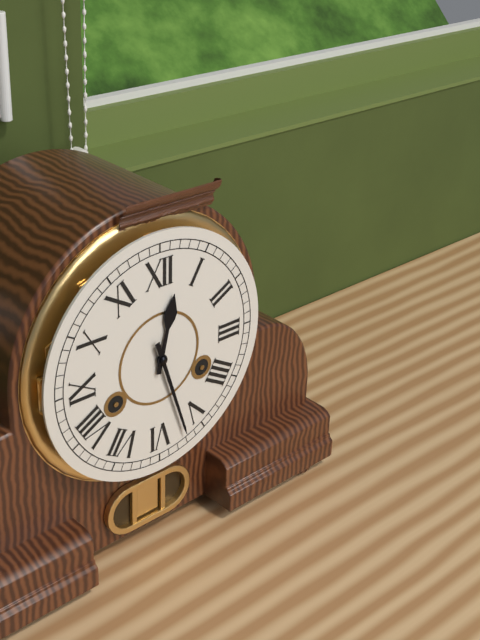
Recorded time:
h=12 m=27
